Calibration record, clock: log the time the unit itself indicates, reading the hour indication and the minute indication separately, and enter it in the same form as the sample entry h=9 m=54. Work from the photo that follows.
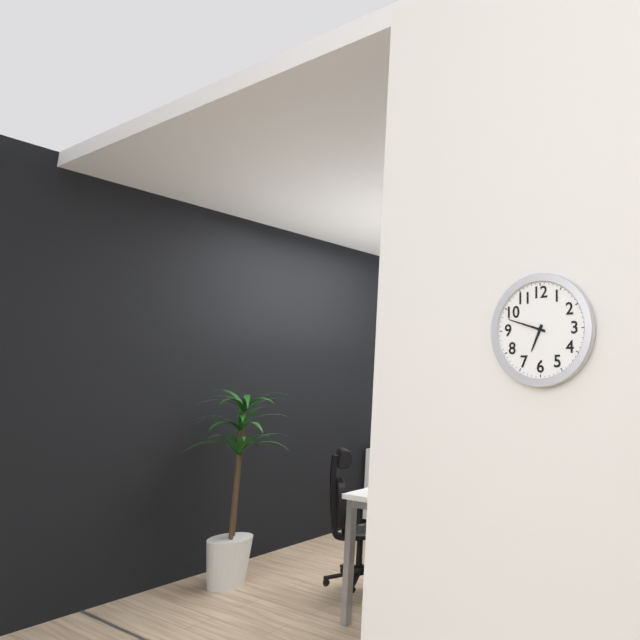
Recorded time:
h=6 m=48
